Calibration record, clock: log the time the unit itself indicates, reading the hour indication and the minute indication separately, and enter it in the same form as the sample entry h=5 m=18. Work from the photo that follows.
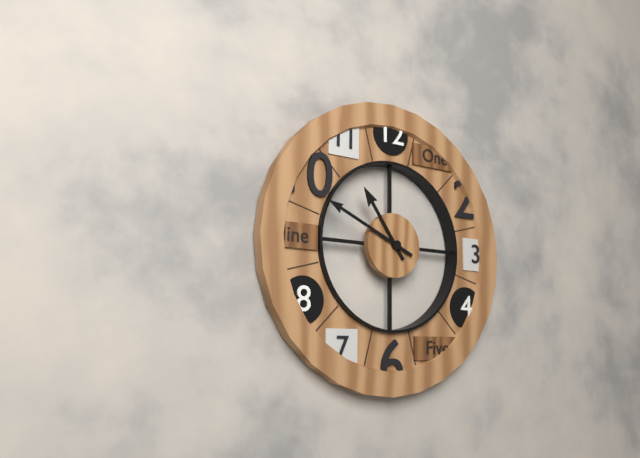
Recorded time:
h=10 m=49
